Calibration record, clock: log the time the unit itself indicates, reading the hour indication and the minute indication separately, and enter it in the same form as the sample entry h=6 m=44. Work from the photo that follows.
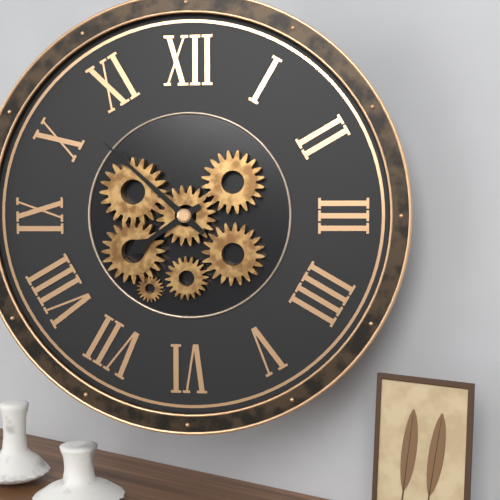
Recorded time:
h=7 m=52
